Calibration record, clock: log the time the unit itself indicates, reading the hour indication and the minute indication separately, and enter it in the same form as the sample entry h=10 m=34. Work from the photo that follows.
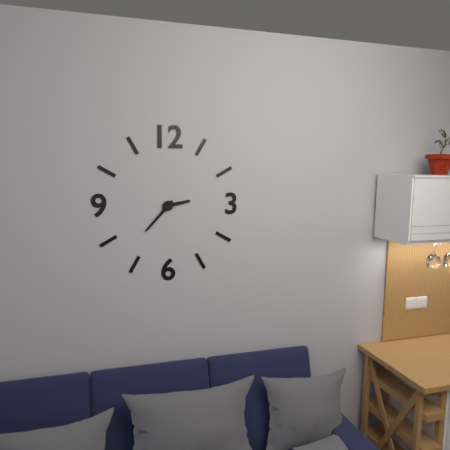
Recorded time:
h=2 m=37
